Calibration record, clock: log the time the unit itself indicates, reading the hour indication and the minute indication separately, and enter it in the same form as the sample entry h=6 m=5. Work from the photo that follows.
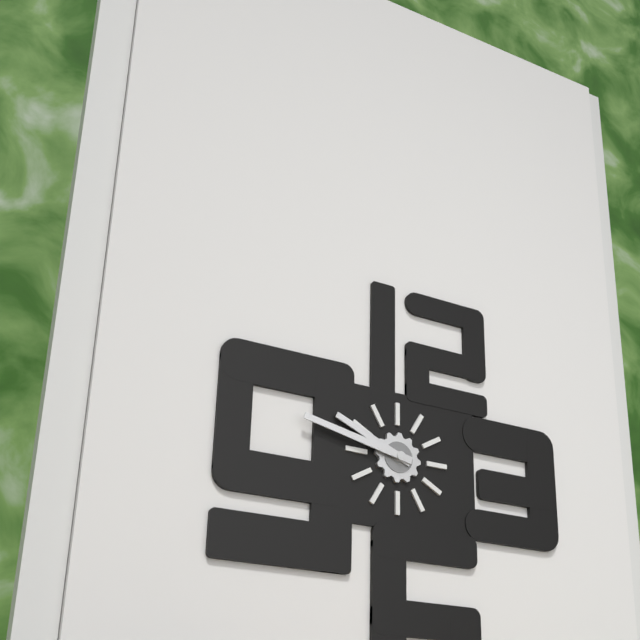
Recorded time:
h=9 m=47
